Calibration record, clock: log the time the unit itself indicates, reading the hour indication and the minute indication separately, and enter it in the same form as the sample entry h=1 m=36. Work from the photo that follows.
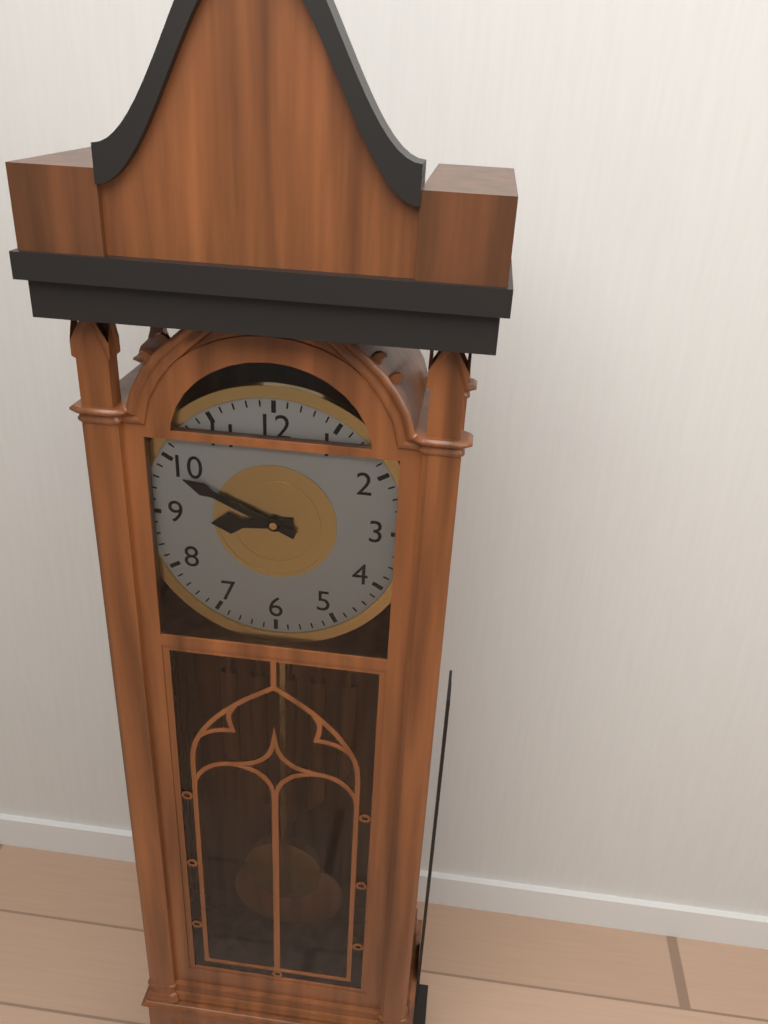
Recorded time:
h=8 m=49
